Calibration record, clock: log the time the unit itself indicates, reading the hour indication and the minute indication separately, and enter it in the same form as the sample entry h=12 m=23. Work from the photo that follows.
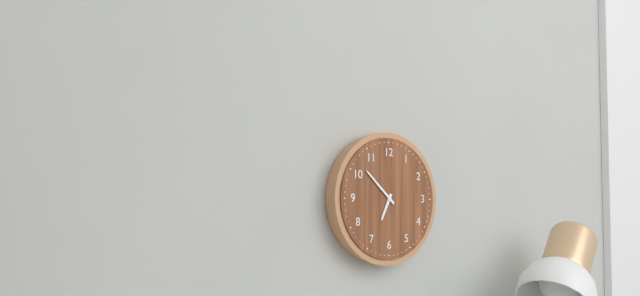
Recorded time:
h=6 m=52
